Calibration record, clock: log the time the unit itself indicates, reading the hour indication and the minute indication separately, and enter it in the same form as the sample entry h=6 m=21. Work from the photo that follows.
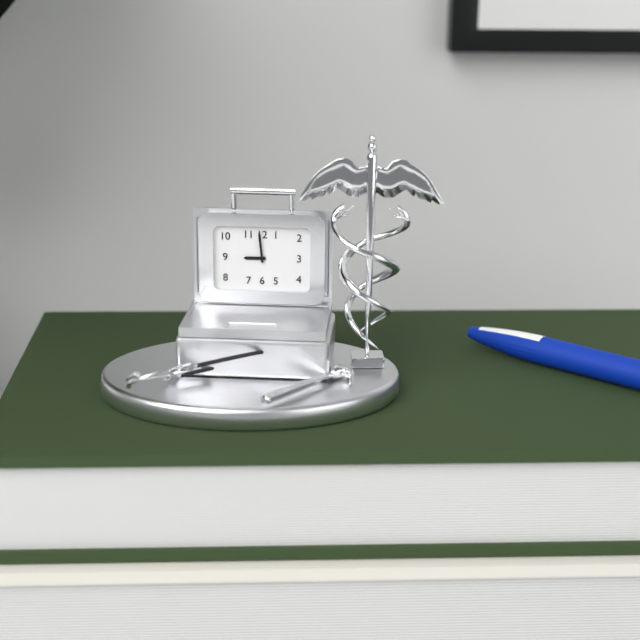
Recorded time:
h=8 m=59
